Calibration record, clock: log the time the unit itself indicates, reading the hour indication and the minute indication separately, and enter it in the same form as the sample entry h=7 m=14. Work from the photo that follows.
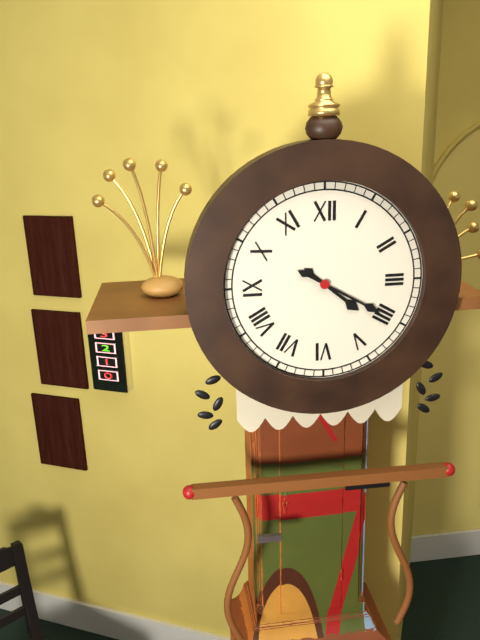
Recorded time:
h=4 m=20
